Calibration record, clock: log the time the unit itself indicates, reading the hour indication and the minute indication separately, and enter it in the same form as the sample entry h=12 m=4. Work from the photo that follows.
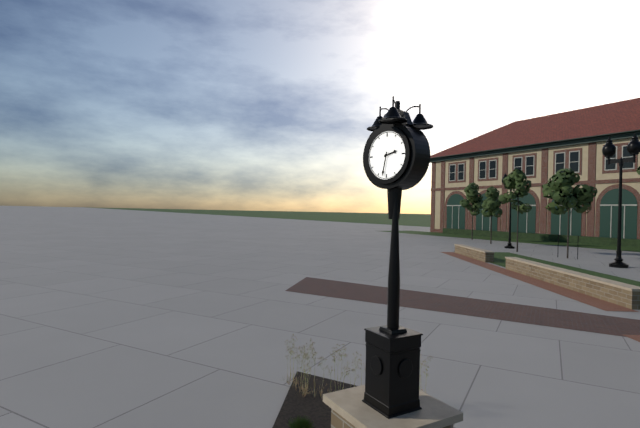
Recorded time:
h=2 m=32
